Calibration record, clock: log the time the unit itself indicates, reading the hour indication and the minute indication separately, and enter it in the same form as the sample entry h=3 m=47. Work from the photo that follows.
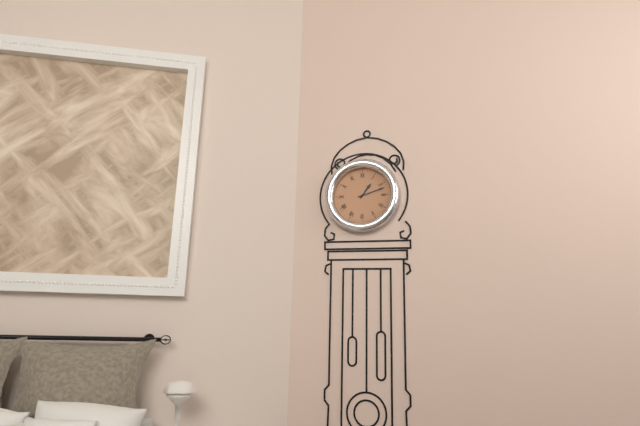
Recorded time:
h=1 m=12
